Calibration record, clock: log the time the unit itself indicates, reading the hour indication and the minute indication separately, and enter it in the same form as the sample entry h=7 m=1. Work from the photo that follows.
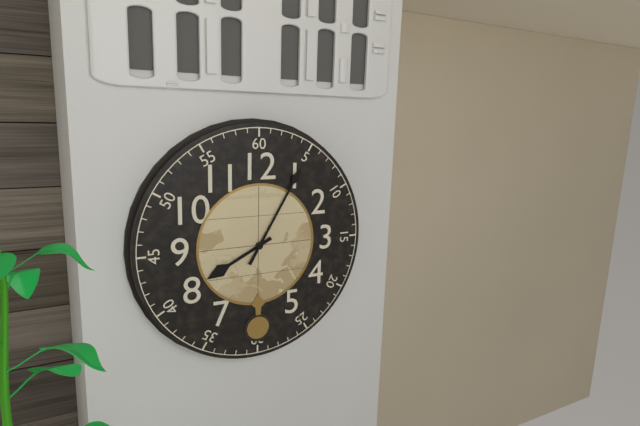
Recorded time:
h=8 m=5
